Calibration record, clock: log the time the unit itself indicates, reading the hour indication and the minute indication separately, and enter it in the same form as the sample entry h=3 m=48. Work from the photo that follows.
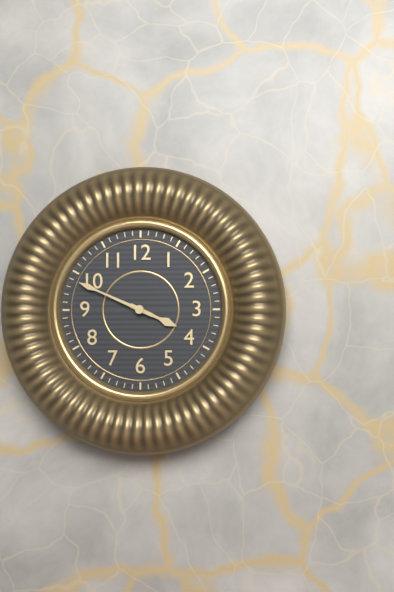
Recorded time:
h=3 m=49
